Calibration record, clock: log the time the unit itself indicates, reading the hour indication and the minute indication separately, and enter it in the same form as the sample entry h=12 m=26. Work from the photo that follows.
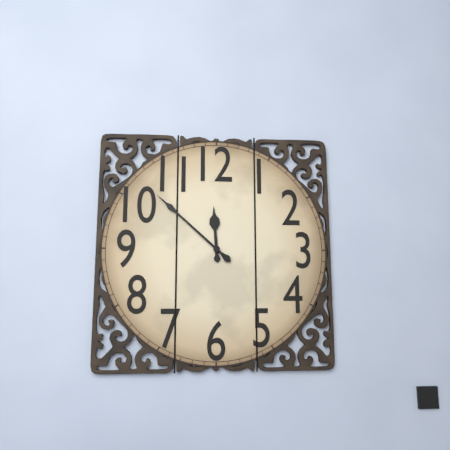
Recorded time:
h=11 m=52
